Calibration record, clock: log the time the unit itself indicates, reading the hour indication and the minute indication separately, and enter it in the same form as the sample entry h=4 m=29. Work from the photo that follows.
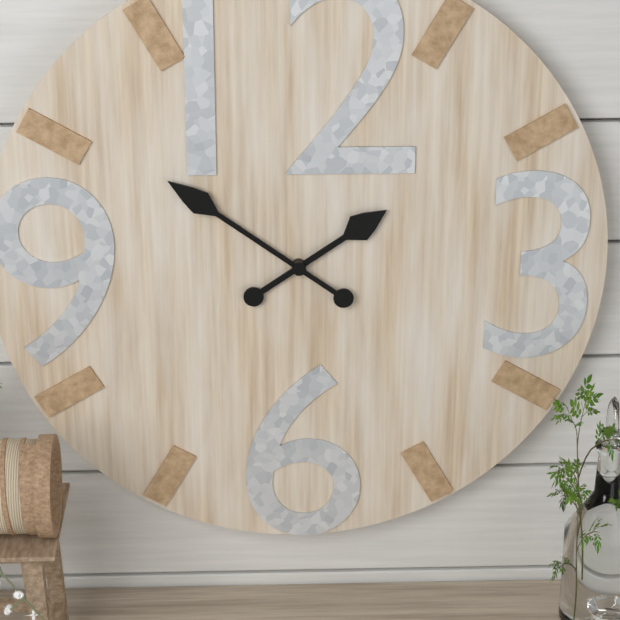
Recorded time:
h=1 m=51
